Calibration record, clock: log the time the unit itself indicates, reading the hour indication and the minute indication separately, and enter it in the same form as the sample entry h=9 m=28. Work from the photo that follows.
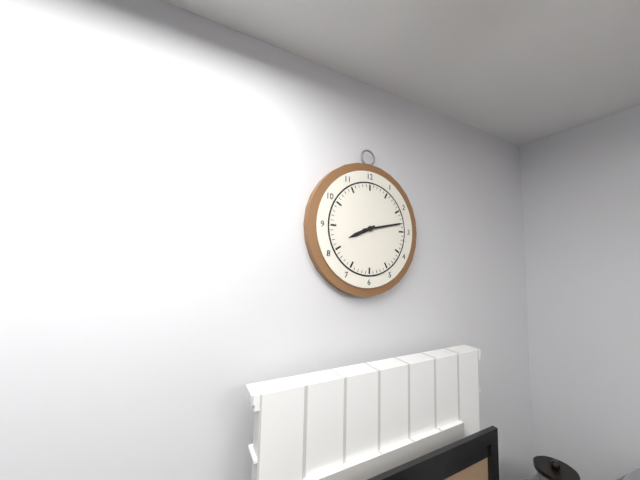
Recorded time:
h=8 m=13
